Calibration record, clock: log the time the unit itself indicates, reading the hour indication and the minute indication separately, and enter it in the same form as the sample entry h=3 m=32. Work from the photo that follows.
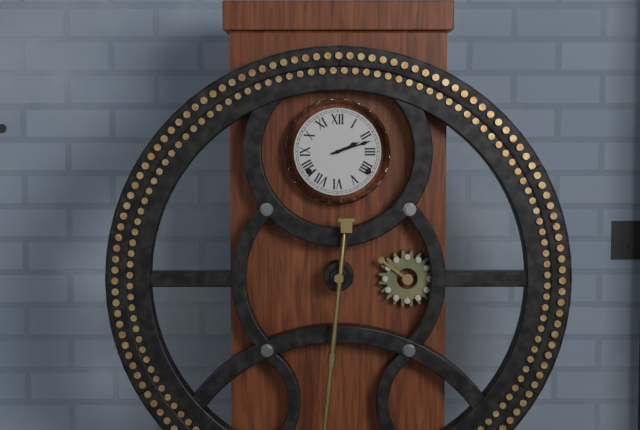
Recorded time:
h=2 m=12
